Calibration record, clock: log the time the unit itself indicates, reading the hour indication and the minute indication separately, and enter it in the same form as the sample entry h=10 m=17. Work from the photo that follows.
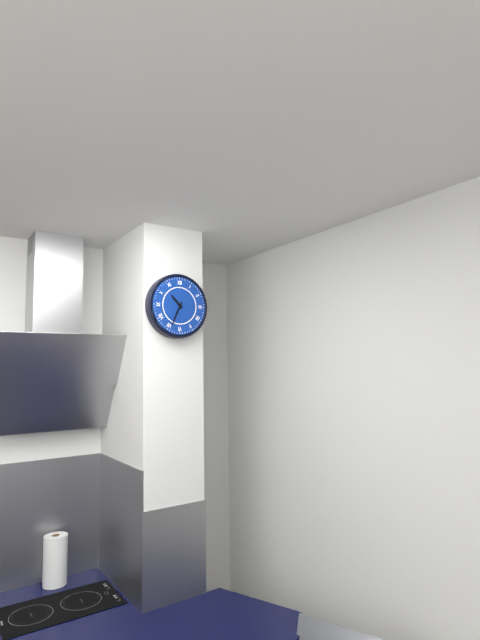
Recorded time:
h=10 m=34
